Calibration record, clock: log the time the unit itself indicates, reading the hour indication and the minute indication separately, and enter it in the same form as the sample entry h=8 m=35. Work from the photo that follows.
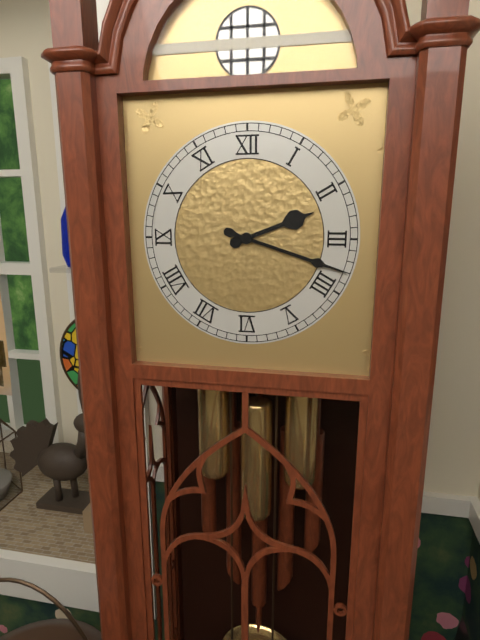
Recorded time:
h=2 m=18
